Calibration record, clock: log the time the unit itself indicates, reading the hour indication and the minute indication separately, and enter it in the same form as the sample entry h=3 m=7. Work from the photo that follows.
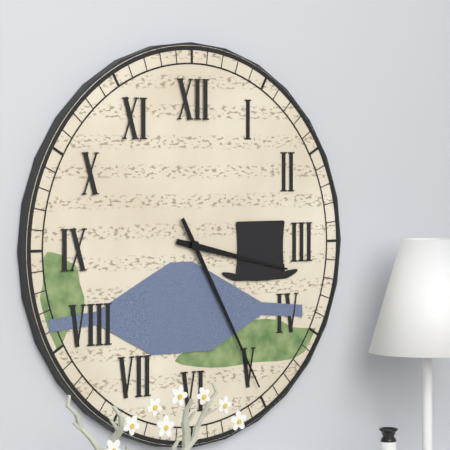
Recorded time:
h=3 m=25
